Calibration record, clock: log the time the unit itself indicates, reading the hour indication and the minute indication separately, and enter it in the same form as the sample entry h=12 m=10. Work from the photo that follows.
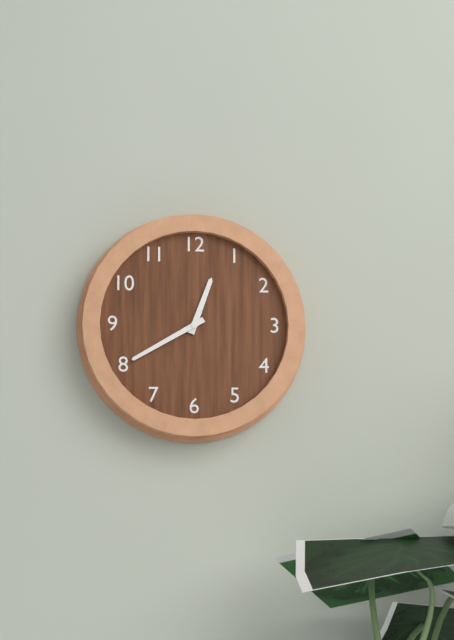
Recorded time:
h=12 m=40
